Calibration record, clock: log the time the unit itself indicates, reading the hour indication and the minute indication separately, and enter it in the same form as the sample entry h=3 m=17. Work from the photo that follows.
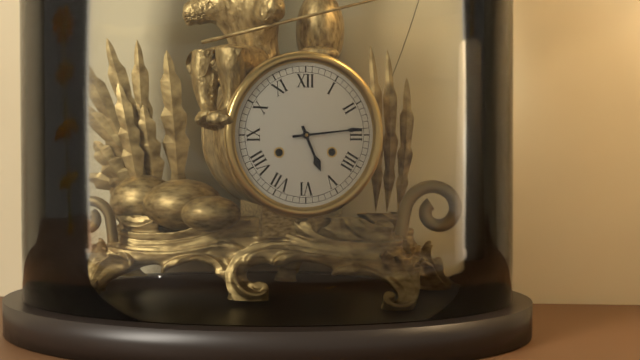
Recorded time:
h=5 m=14
